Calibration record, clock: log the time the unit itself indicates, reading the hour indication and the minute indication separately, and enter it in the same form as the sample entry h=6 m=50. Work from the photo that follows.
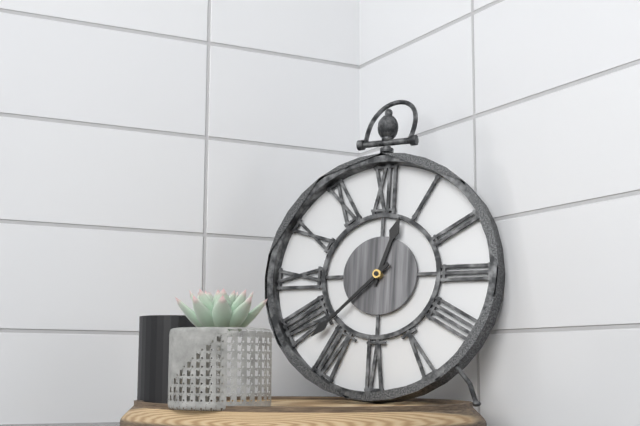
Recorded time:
h=12 m=38
